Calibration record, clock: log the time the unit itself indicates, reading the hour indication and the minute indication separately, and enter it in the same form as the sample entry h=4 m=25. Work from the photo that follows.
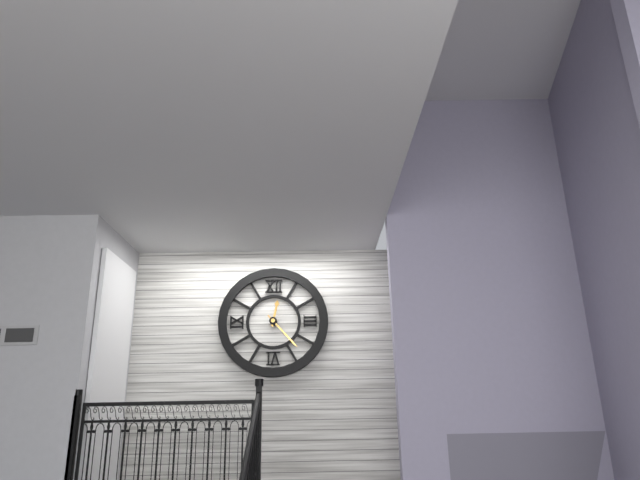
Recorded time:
h=12 m=23
